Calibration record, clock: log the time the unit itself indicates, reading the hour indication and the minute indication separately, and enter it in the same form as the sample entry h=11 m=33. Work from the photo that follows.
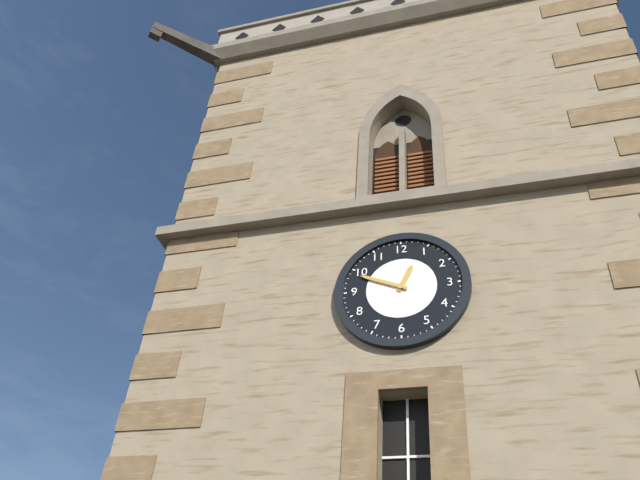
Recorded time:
h=12 m=49
